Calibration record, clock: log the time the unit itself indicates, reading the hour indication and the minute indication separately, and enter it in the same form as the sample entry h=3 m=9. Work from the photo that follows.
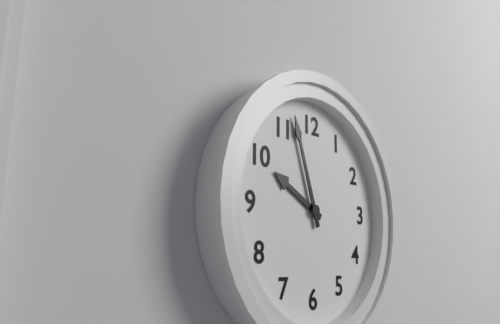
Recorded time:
h=9 m=57
